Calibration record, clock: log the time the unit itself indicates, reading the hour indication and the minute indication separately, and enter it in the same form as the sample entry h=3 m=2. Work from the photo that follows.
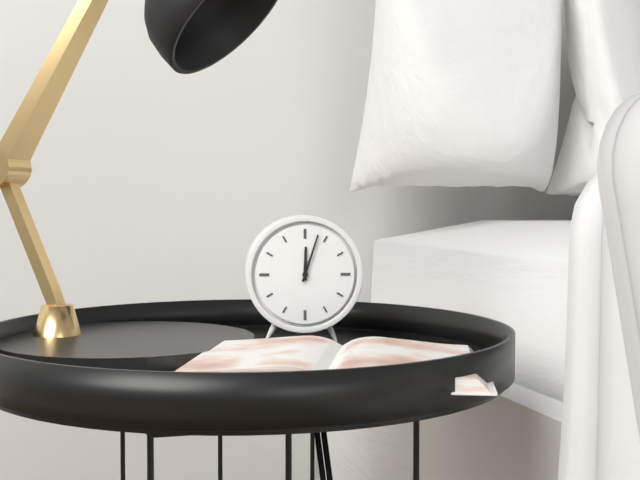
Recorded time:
h=12 m=3
